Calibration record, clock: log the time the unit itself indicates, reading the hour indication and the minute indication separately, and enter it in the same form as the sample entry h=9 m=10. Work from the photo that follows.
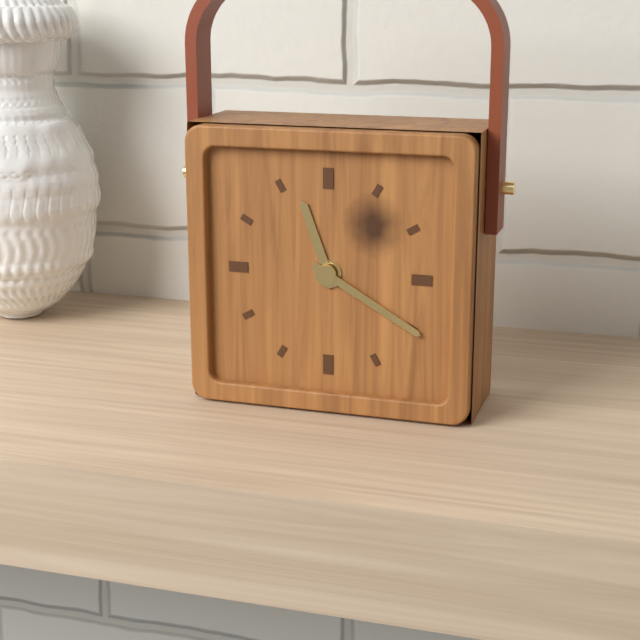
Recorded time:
h=11 m=20
